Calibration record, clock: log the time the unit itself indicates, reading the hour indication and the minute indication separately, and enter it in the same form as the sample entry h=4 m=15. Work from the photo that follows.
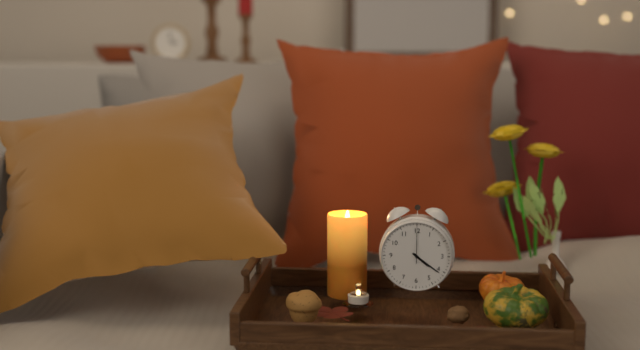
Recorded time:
h=4 m=21
